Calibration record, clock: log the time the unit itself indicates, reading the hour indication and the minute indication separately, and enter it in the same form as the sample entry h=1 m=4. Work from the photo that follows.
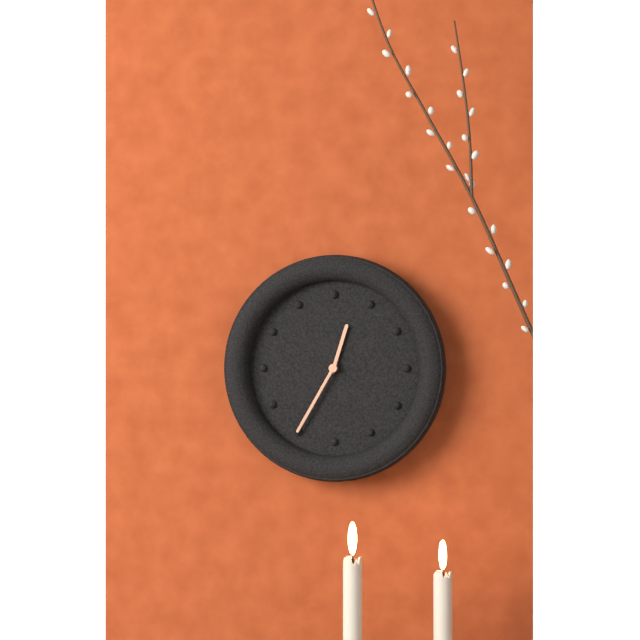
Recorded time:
h=12 m=35
